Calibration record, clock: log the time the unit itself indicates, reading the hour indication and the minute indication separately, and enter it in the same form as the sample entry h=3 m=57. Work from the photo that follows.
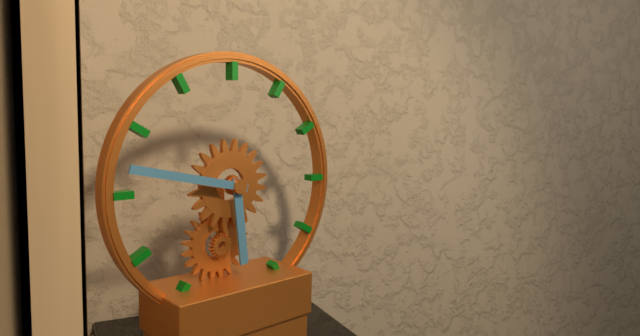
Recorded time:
h=5 m=47
